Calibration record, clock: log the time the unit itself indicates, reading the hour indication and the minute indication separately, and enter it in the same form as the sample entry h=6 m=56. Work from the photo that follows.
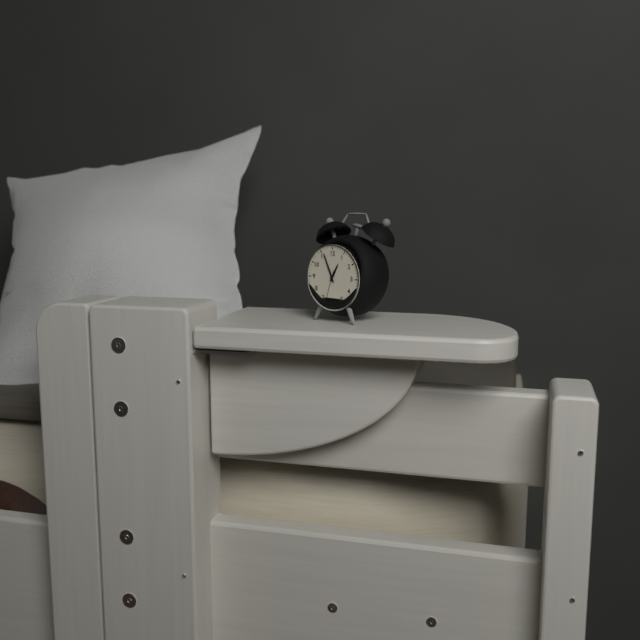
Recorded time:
h=12 m=56
